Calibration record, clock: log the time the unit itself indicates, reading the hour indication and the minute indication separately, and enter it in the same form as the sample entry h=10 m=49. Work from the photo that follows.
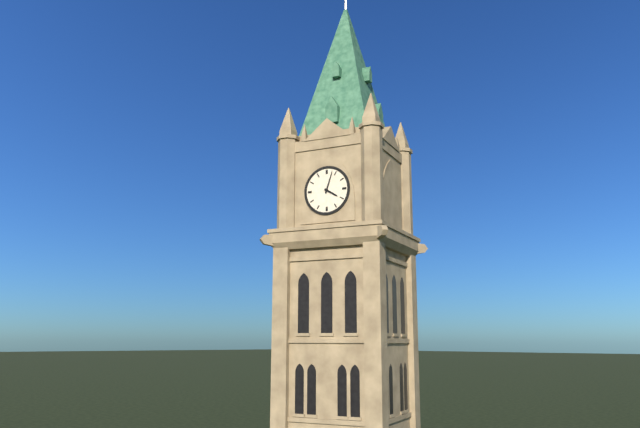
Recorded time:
h=4 m=3
